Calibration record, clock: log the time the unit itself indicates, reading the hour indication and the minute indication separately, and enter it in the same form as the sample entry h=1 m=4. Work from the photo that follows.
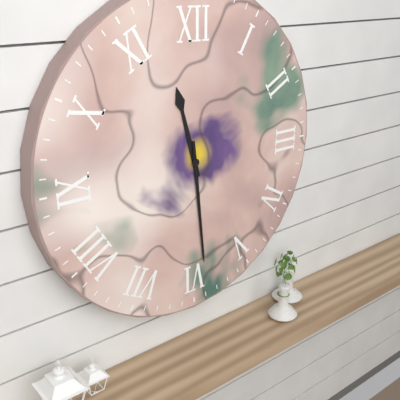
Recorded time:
h=11 m=29
